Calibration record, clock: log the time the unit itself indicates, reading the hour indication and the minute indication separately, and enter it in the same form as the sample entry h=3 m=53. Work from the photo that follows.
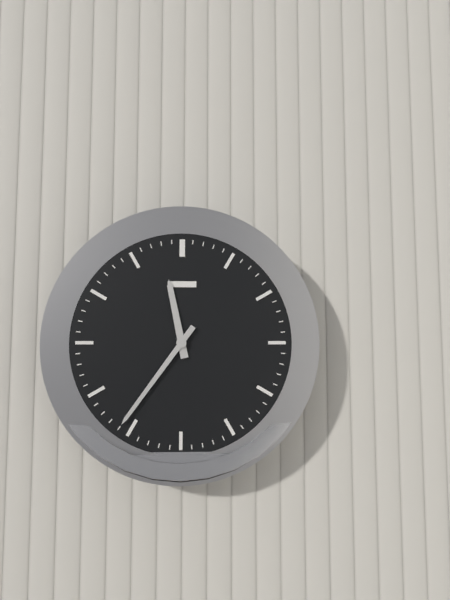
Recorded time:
h=11 m=36
